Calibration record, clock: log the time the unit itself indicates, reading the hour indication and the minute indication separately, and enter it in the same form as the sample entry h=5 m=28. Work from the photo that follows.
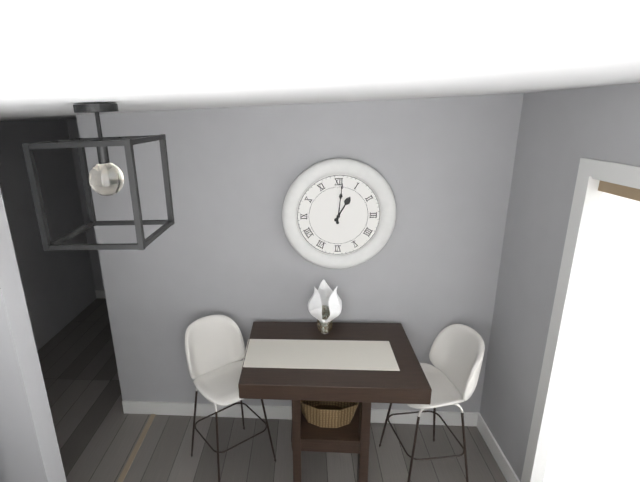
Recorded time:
h=1 m=1
